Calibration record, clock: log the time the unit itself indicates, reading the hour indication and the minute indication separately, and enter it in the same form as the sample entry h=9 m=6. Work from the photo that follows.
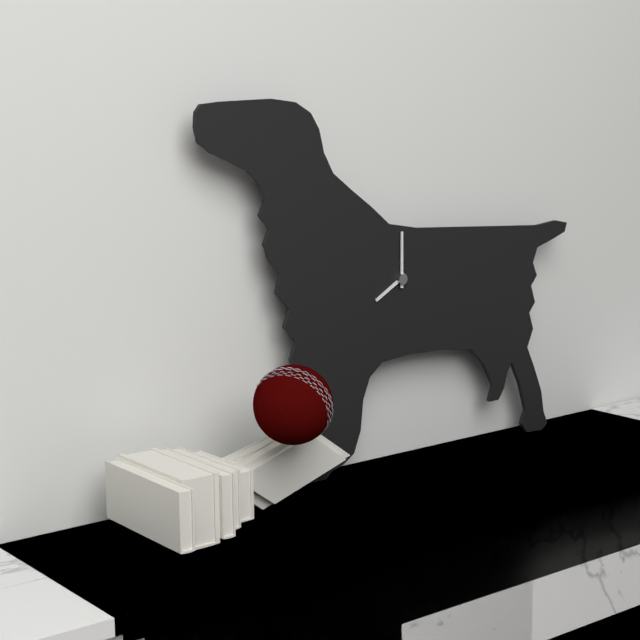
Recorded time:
h=8 m=0
